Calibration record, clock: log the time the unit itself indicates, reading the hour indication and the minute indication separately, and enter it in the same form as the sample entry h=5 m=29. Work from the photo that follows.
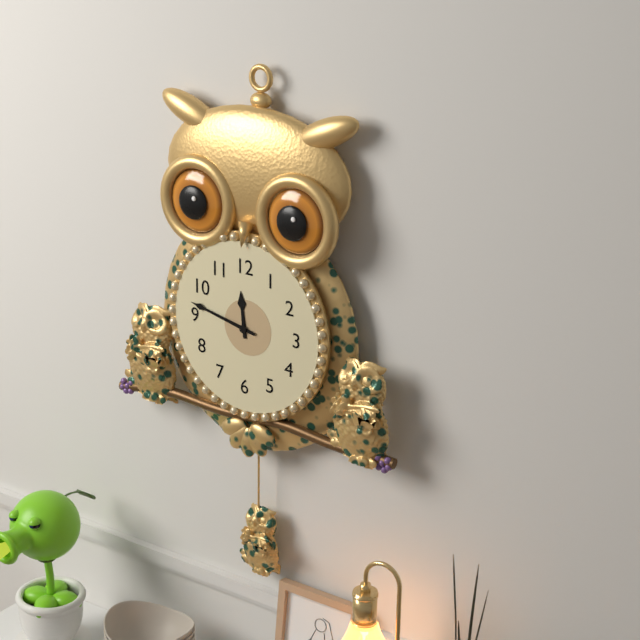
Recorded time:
h=11 m=47
